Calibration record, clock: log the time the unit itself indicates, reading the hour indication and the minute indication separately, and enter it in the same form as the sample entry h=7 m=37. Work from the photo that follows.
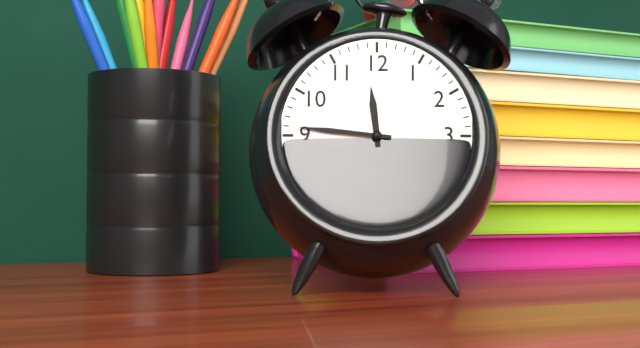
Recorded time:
h=11 m=46
